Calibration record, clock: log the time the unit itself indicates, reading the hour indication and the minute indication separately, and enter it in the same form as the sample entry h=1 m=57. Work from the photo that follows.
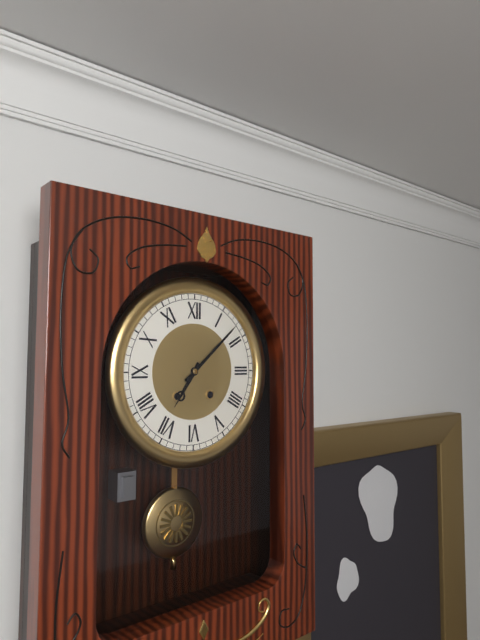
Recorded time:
h=7 m=8
